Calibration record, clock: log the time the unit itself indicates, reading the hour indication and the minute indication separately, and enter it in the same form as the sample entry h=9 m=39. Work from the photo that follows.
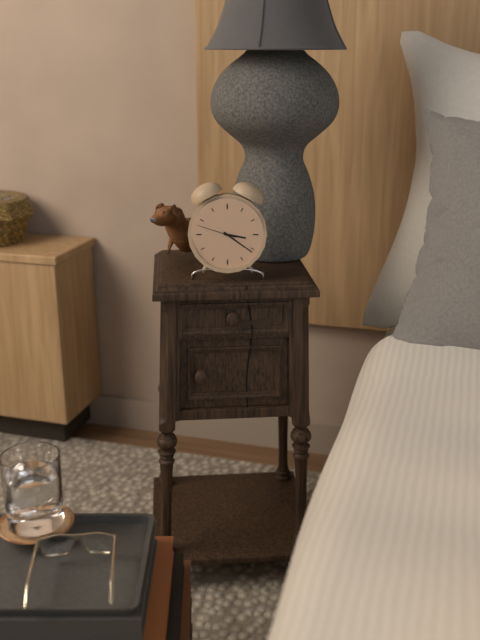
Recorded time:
h=3 m=21
